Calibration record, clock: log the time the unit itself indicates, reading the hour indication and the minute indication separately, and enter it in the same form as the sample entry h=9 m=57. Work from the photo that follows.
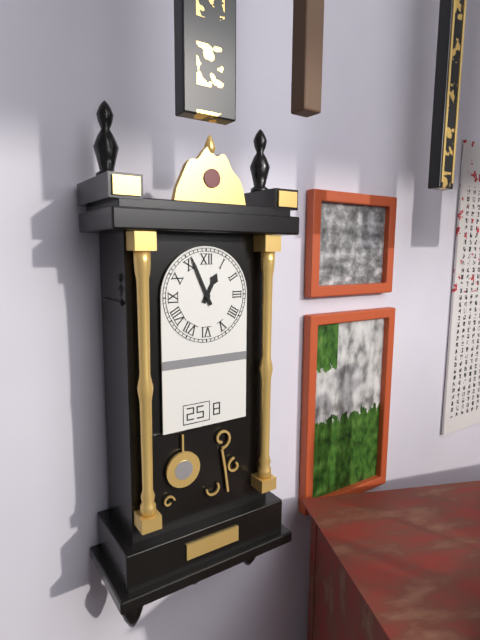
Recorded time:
h=12 m=56
